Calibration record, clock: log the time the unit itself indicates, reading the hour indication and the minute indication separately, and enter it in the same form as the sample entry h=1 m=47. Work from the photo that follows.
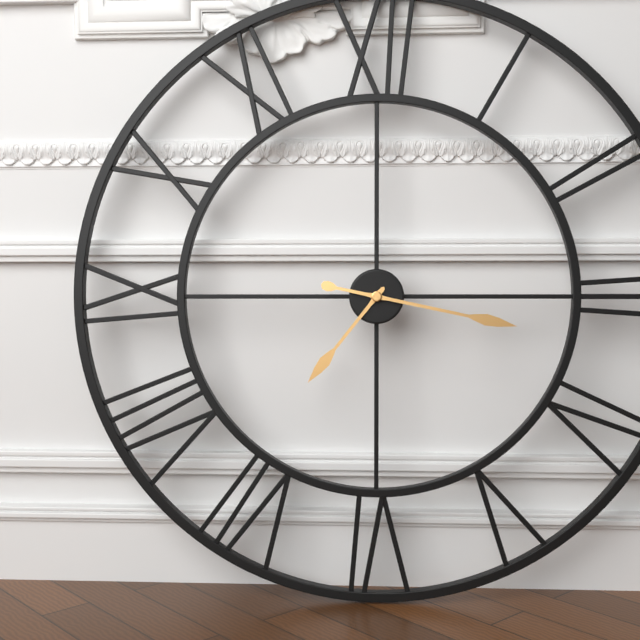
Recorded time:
h=7 m=17
